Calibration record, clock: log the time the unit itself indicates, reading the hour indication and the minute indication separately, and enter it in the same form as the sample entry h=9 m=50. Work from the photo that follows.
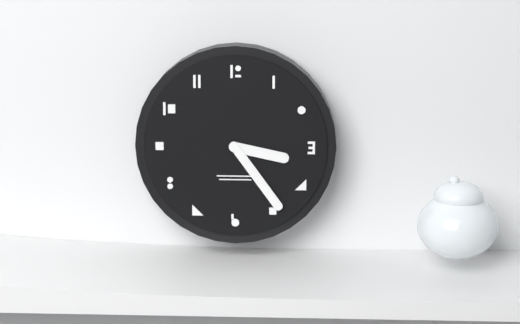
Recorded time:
h=3 m=24
